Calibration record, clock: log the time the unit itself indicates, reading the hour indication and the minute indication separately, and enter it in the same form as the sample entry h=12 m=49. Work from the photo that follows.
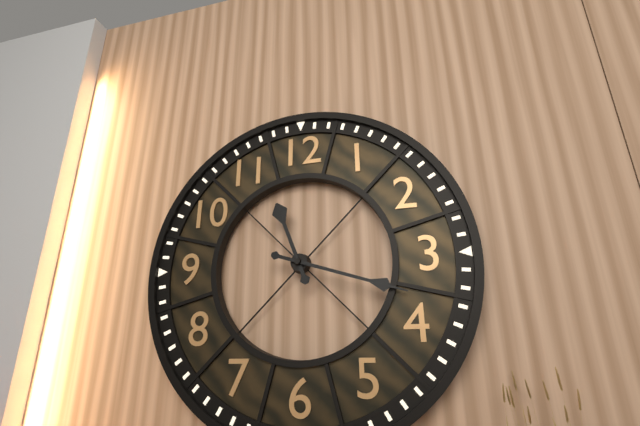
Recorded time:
h=11 m=18
